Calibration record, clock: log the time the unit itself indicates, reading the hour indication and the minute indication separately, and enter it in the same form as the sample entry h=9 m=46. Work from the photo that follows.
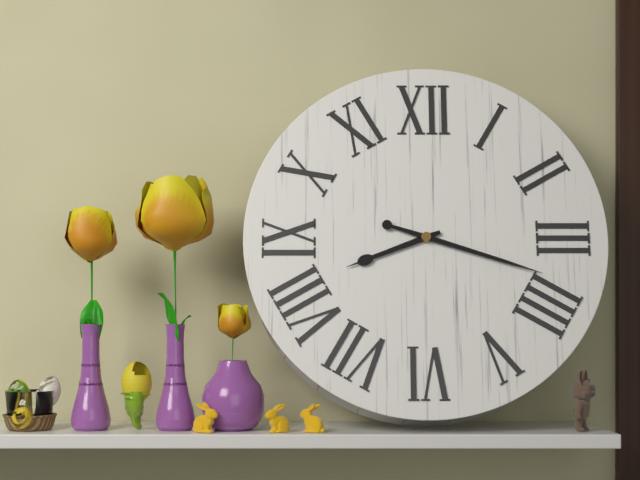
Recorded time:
h=8 m=18
